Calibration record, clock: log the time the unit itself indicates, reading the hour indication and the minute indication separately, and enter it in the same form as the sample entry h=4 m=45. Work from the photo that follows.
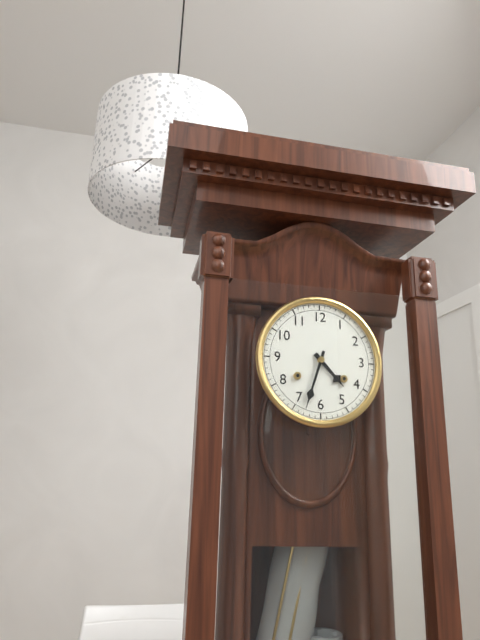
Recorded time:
h=4 m=33
